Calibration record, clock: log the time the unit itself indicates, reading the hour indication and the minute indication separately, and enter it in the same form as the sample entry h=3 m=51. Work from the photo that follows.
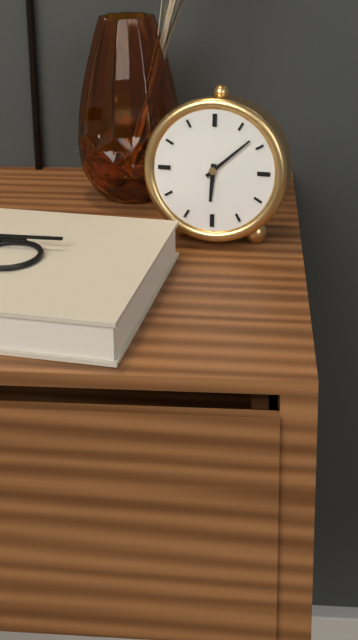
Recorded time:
h=6 m=8
